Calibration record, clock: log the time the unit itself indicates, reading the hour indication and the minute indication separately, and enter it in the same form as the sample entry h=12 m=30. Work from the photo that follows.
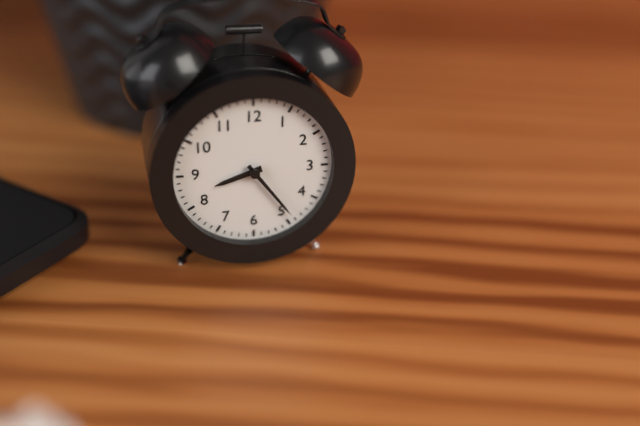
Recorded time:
h=8 m=24
